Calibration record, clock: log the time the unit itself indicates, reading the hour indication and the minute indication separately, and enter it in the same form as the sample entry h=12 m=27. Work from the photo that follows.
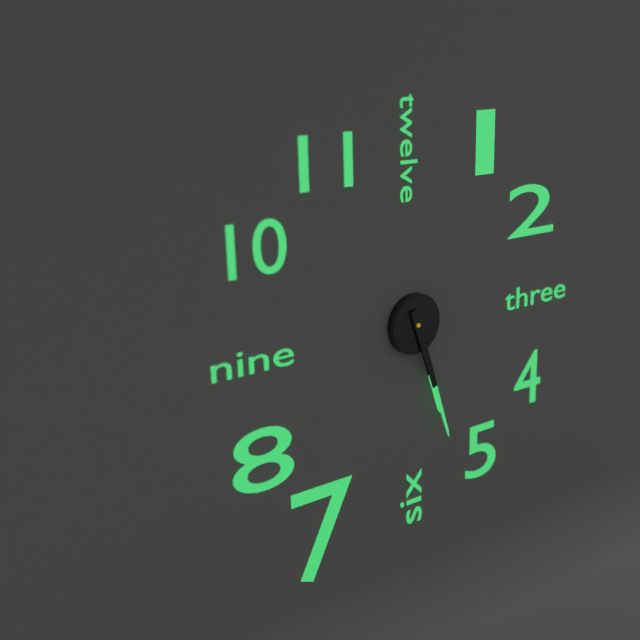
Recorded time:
h=5 m=27
